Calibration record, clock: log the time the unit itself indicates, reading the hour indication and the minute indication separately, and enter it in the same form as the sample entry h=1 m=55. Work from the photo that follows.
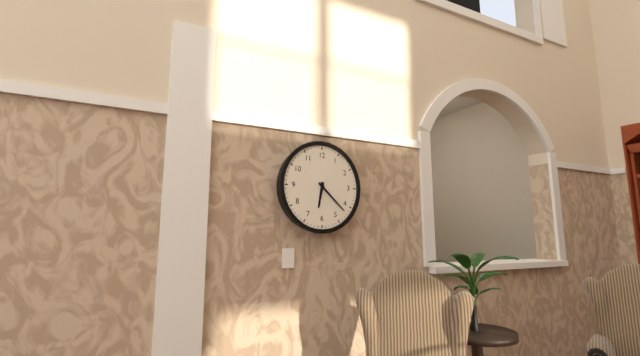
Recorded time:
h=6 m=22
